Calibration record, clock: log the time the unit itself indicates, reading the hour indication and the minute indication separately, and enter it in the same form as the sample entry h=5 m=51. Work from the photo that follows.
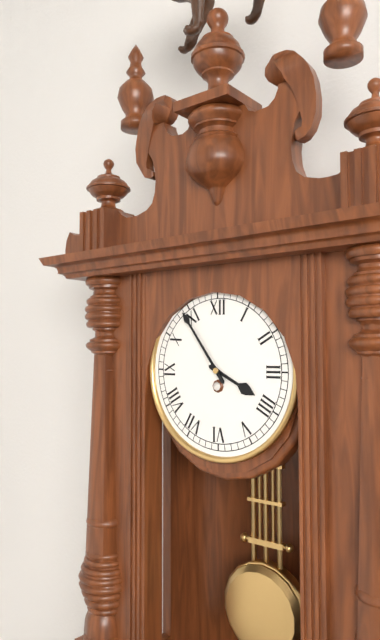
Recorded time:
h=3 m=54
